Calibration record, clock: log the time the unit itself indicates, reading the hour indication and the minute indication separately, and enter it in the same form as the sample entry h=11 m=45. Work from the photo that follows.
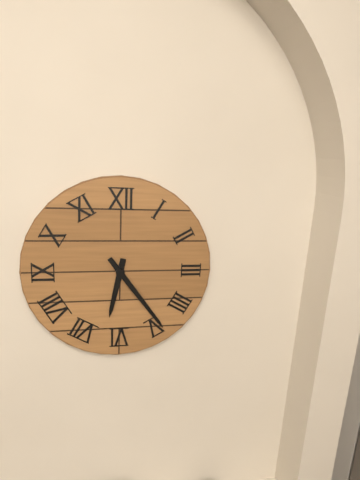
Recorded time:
h=6 m=24
